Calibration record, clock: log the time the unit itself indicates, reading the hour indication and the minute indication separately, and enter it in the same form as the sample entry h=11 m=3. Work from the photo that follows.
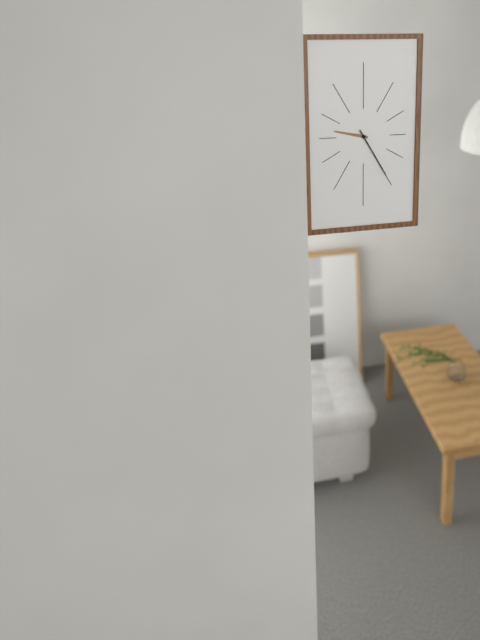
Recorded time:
h=9 m=25
